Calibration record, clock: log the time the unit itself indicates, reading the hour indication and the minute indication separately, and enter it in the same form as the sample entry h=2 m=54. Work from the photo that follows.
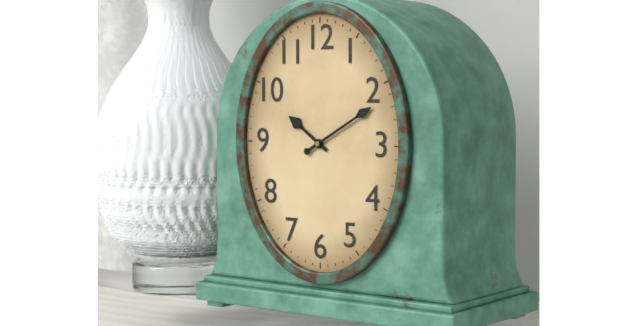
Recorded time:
h=10 m=10
